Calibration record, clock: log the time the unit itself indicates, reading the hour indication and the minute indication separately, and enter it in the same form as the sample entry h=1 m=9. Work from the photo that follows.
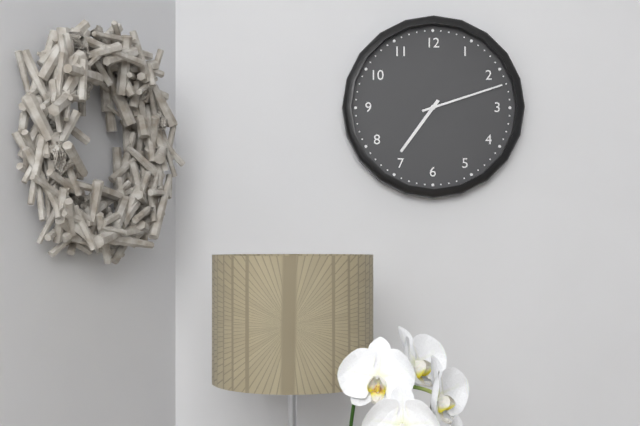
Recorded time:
h=7 m=12
